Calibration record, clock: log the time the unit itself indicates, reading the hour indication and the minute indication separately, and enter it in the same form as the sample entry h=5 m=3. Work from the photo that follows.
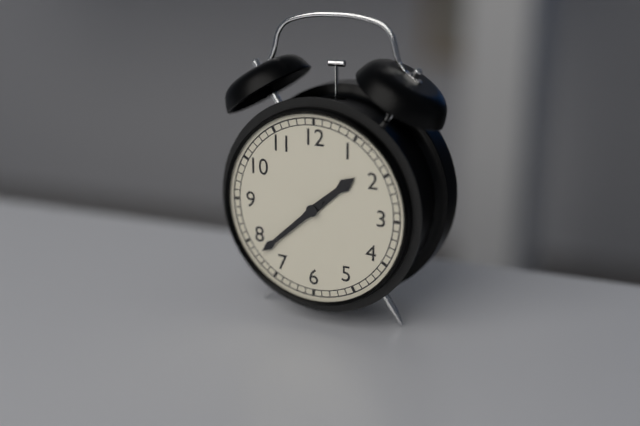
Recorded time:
h=1 m=38
